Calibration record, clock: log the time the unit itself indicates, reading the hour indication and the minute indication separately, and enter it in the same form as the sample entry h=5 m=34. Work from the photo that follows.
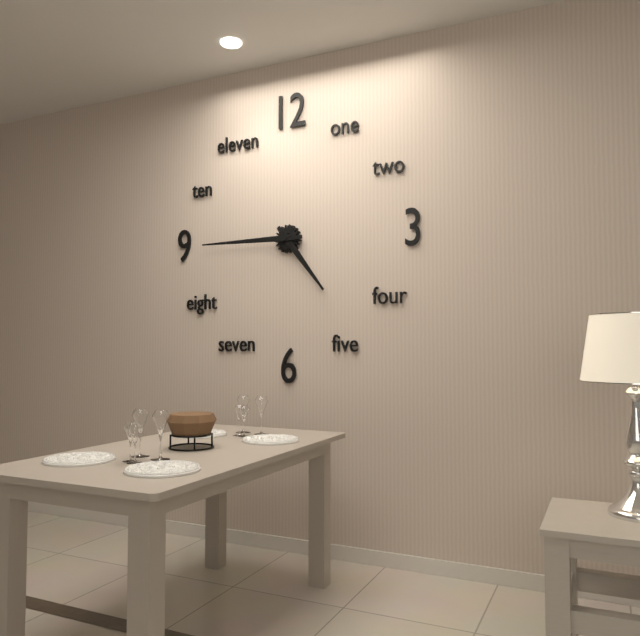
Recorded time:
h=4 m=45
